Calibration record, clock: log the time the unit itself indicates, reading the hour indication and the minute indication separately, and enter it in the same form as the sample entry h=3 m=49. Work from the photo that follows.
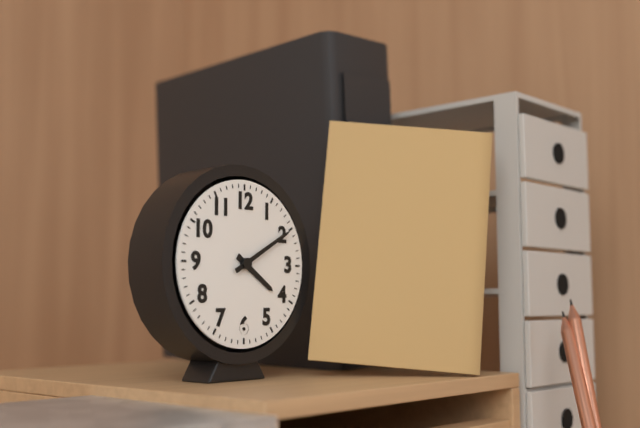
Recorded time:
h=4 m=10
